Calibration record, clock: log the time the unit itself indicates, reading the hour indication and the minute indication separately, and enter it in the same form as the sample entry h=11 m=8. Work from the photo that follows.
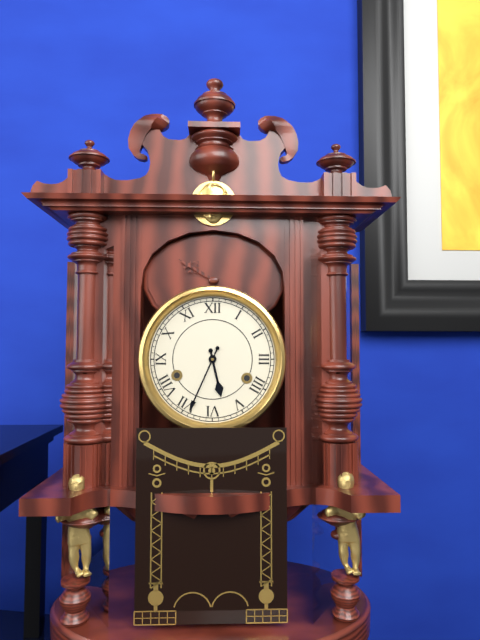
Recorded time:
h=5 m=34
